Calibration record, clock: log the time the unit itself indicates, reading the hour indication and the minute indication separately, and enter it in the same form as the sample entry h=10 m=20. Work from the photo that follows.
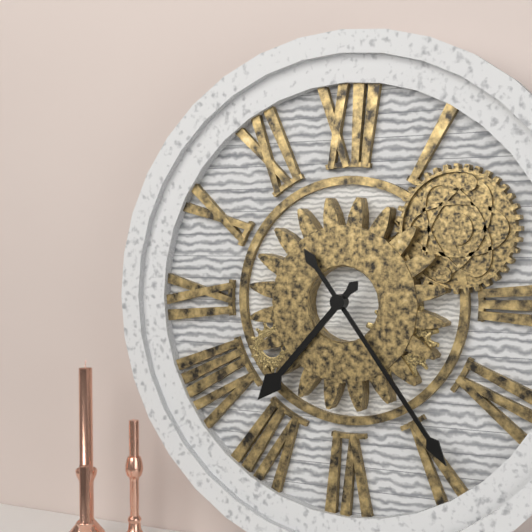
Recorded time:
h=7 m=24
